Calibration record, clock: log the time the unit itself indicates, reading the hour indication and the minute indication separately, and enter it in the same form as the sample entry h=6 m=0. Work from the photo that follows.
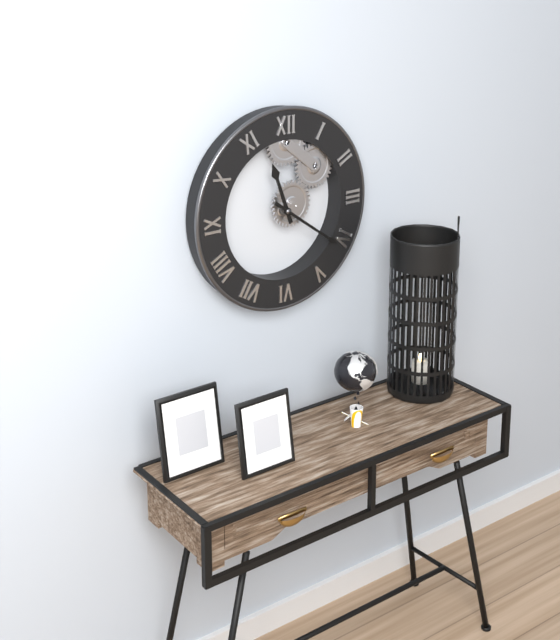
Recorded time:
h=11 m=21
